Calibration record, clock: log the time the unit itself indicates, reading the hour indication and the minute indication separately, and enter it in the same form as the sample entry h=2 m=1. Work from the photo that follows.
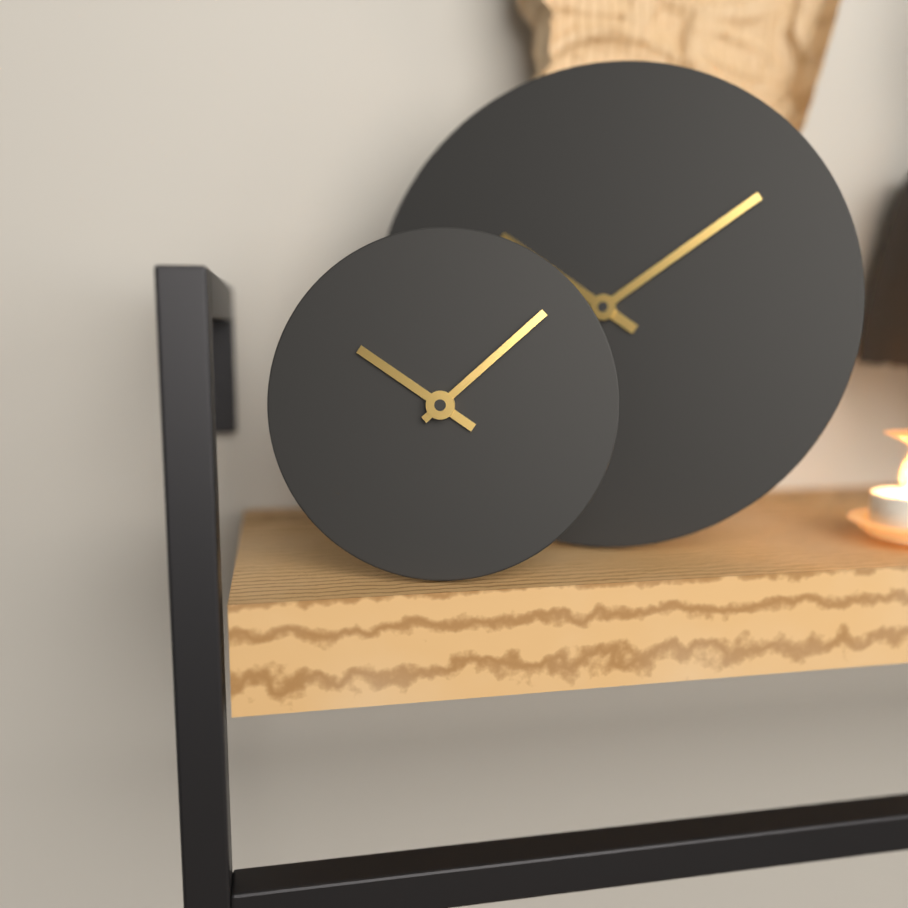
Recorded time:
h=10 m=8
